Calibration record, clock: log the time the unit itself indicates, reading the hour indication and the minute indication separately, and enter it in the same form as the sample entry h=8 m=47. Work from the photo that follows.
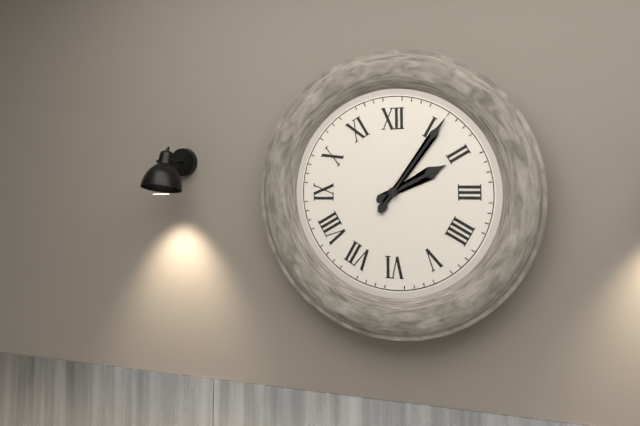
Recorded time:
h=2 m=6
